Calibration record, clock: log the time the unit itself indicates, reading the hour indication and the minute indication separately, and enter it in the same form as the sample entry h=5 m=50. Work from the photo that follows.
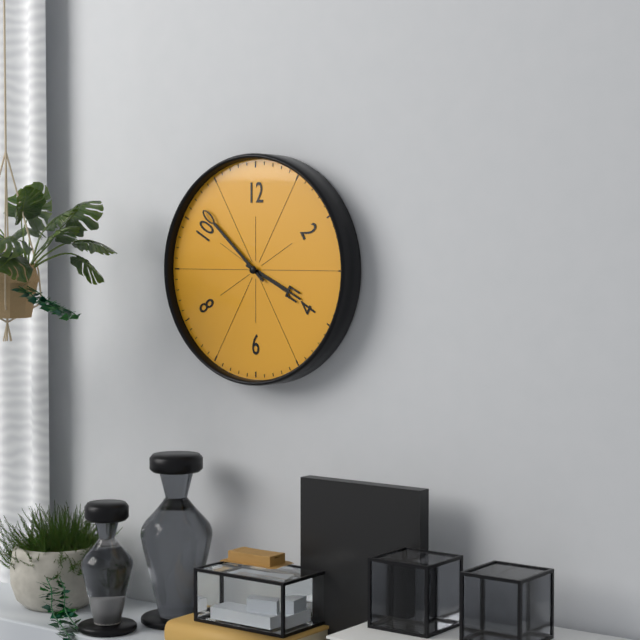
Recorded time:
h=3 m=52
